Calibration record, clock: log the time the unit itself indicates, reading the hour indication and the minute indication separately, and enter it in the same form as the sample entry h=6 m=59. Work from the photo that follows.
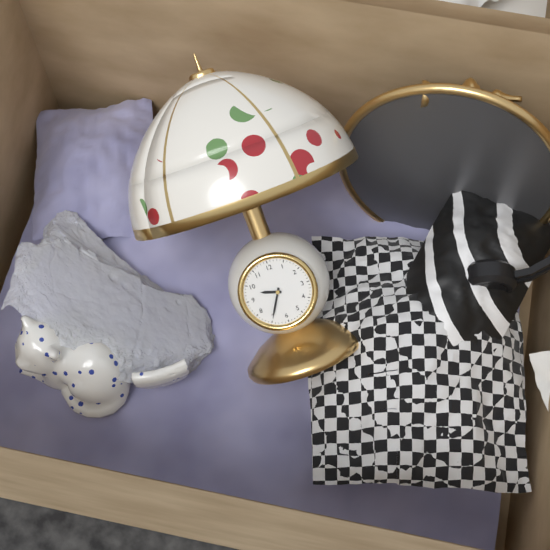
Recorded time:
h=9 m=35
